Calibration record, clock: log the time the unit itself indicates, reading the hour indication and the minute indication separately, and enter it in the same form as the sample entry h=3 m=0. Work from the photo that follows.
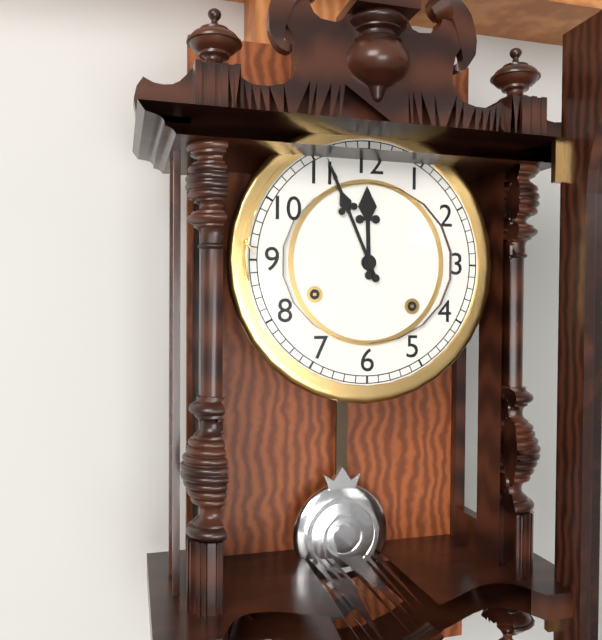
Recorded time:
h=11 m=56
